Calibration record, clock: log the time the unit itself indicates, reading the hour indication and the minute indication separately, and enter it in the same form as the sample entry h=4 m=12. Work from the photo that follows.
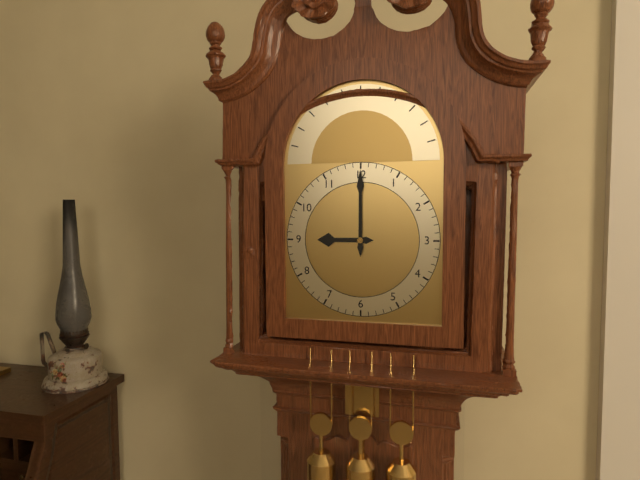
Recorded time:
h=9 m=0
